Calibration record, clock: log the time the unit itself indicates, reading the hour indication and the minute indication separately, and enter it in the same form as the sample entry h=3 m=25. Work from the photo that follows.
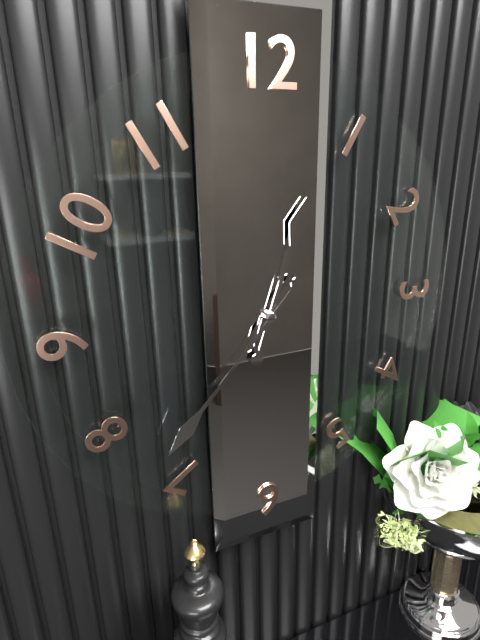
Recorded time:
h=12 m=37
